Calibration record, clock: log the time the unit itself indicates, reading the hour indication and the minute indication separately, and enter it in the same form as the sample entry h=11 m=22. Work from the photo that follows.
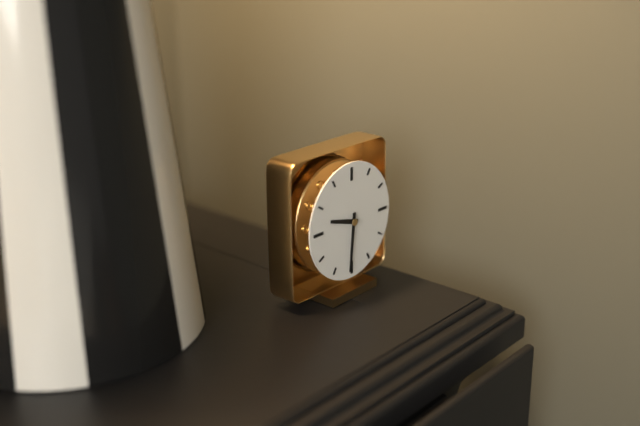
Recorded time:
h=9 m=31
